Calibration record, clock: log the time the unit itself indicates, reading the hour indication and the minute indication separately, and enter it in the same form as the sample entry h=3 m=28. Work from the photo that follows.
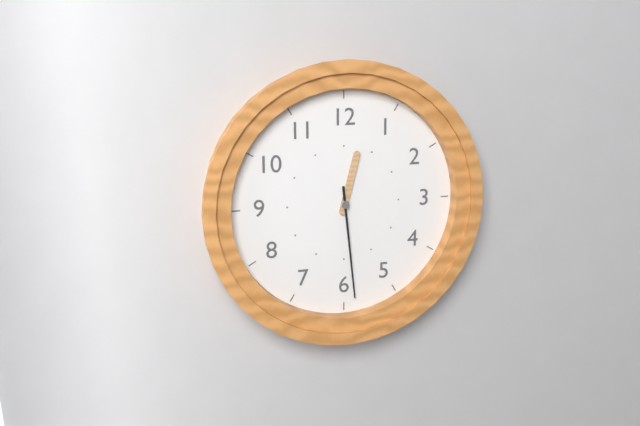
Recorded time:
h=12 m=29
